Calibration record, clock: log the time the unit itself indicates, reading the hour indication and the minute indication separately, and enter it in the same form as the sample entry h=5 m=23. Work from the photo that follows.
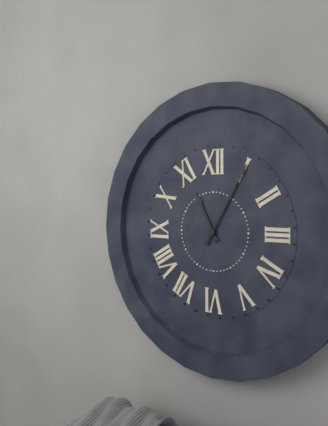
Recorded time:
h=11 m=5
